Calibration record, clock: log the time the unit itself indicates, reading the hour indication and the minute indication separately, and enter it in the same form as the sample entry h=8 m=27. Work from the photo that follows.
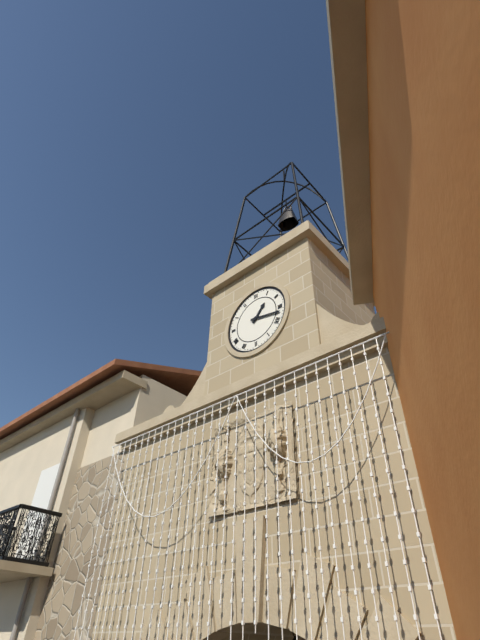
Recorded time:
h=1 m=17
